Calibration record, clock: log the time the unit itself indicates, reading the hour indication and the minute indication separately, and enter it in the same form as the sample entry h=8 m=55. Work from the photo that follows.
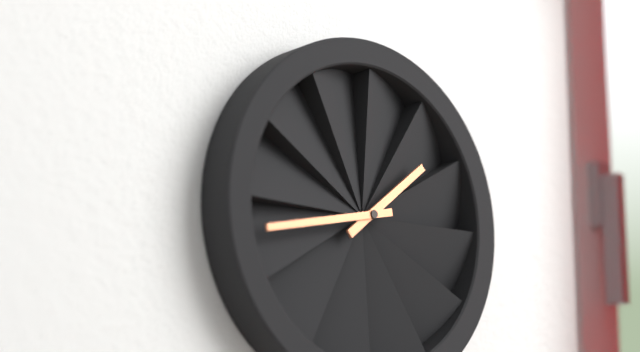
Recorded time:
h=1 m=43
